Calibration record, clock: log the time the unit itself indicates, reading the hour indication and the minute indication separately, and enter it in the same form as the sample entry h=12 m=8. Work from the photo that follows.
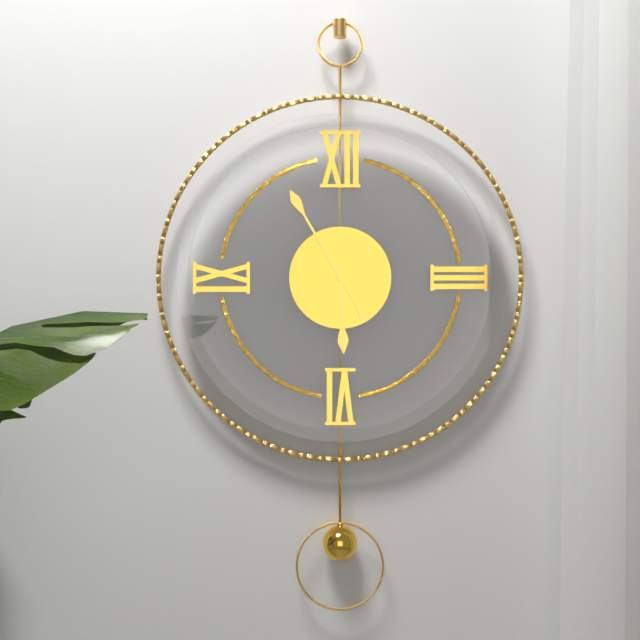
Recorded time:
h=5 m=55
